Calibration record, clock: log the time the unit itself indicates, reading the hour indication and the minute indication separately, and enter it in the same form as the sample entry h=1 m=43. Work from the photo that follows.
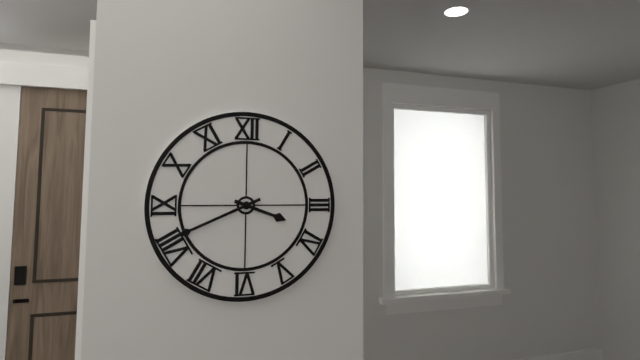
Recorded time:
h=3 m=41
